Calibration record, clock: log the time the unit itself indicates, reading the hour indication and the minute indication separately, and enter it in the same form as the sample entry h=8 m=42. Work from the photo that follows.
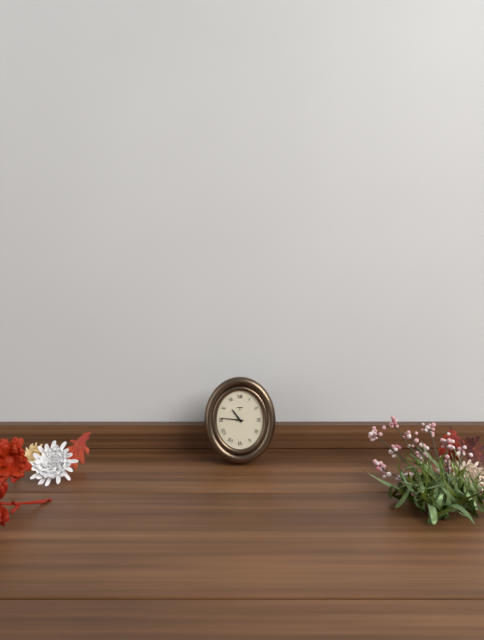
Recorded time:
h=10 m=46
